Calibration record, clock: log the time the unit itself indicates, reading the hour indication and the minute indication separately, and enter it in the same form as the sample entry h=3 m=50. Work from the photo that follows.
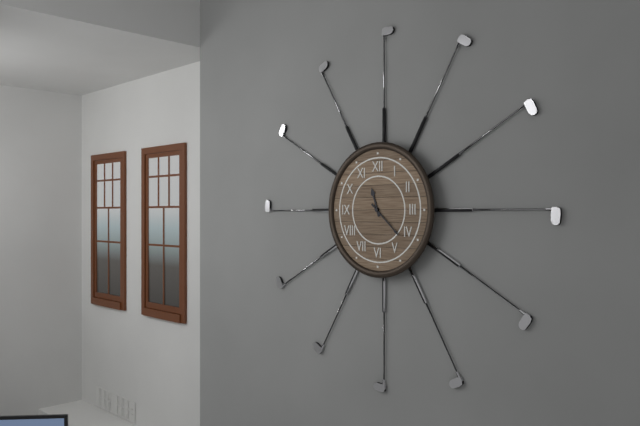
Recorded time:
h=11 m=22
